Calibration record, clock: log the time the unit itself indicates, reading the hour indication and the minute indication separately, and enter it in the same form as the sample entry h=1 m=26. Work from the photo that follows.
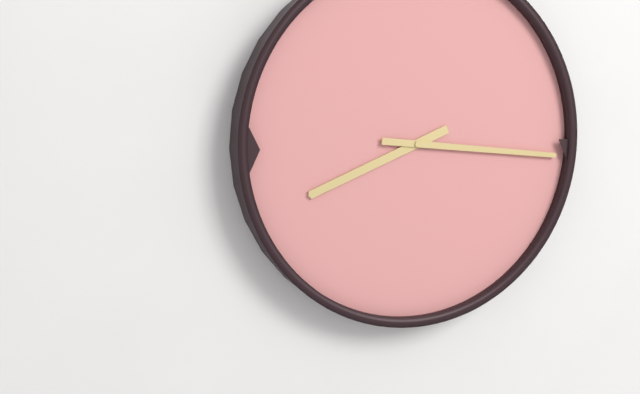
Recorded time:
h=8 m=16
